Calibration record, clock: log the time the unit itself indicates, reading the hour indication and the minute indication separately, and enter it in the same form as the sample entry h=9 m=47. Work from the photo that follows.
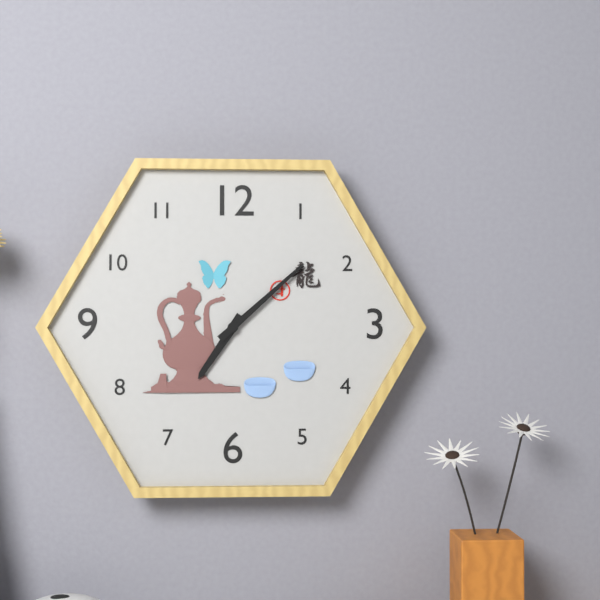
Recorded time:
h=7 m=8
